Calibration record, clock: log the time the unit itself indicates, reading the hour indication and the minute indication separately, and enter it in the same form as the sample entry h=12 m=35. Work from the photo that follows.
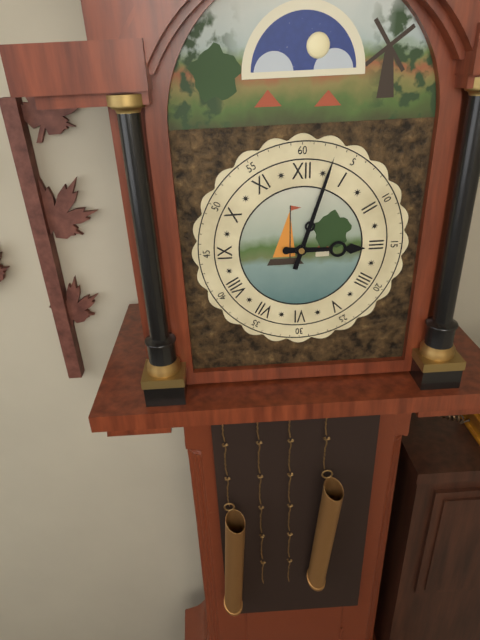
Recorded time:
h=3 m=3
